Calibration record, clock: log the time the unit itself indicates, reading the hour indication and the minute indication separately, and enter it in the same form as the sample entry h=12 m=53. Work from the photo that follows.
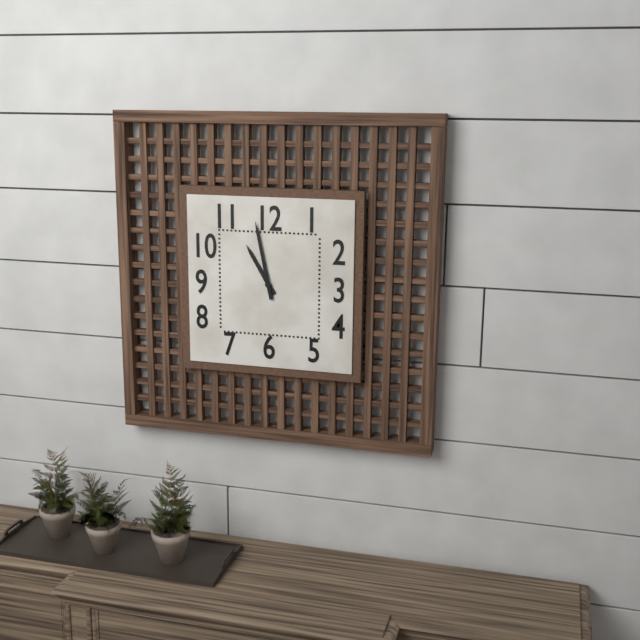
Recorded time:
h=10 m=58
